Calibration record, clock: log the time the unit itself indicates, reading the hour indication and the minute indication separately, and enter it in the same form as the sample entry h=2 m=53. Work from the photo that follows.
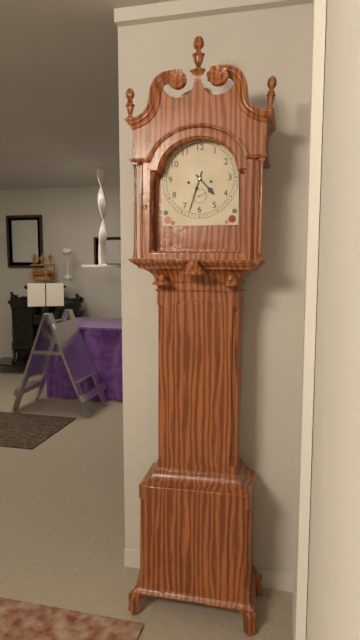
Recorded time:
h=4 m=33
